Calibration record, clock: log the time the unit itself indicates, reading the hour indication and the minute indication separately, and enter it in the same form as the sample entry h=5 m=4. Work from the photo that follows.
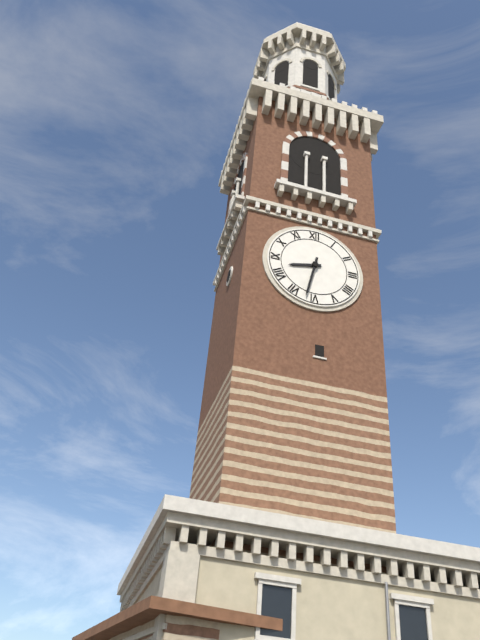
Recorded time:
h=8 m=32
